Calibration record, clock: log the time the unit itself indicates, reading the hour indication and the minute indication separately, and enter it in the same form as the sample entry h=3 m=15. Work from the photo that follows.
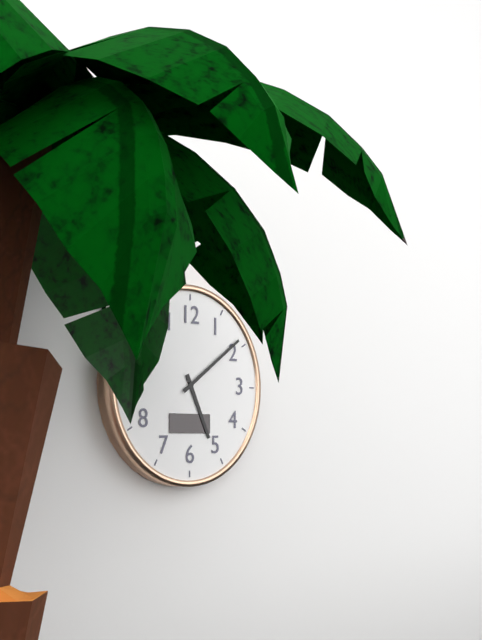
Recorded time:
h=5 m=9
